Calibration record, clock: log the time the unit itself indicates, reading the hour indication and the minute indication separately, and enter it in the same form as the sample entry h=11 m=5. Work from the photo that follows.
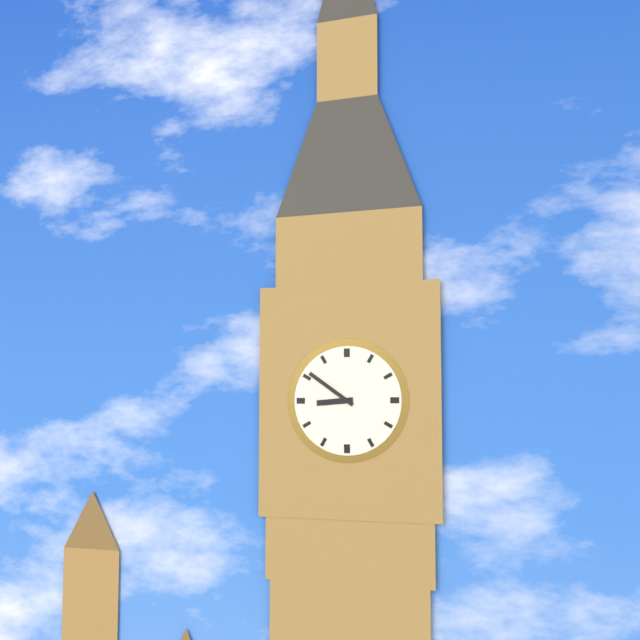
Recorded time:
h=8 m=51
